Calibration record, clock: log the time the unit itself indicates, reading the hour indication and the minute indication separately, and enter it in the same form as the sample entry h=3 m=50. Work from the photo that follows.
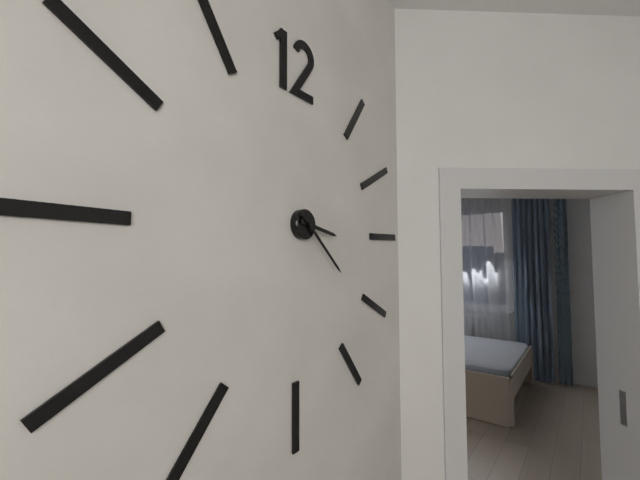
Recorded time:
h=3 m=22
